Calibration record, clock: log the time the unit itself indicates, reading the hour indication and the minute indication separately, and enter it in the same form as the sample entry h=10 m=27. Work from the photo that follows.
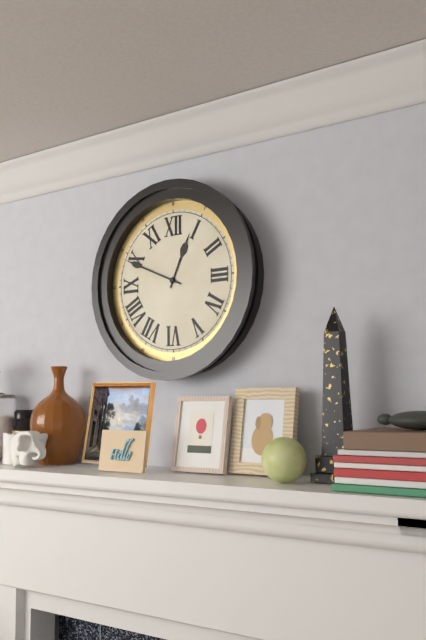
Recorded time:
h=12 m=49
